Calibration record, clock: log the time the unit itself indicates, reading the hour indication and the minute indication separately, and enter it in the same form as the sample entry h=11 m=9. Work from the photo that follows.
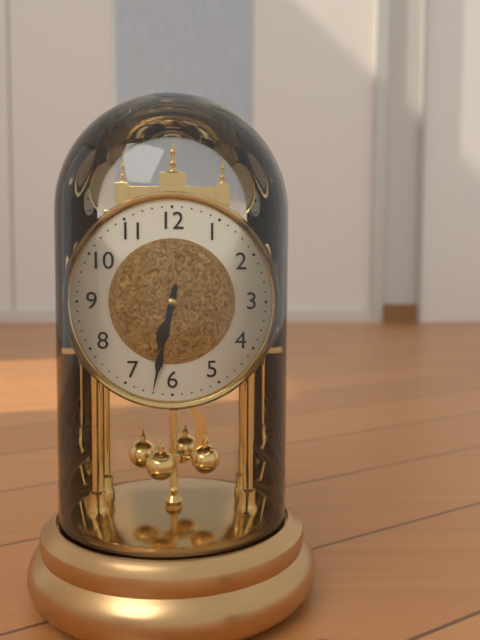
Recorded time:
h=6 m=32
